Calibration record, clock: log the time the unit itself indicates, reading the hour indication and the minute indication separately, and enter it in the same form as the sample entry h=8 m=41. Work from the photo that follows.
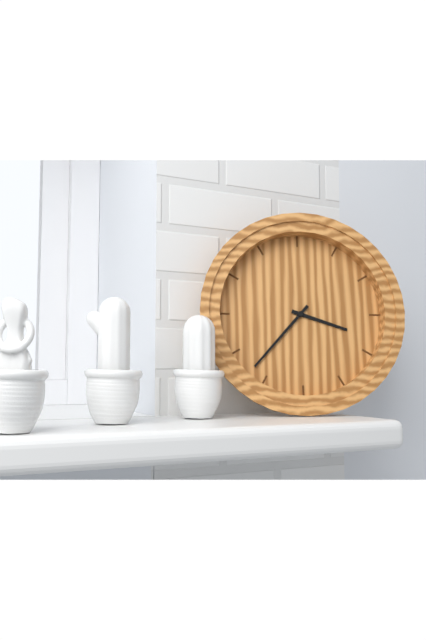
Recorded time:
h=3 m=37
